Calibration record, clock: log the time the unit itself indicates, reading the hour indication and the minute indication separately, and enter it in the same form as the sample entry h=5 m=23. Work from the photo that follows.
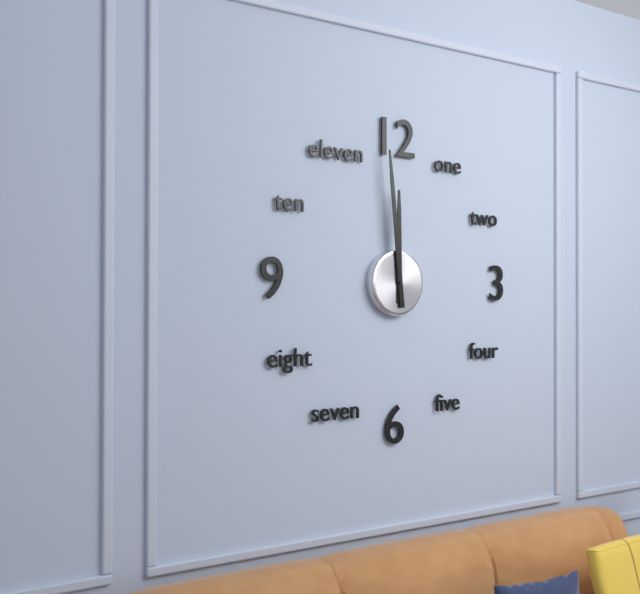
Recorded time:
h=11 m=59
